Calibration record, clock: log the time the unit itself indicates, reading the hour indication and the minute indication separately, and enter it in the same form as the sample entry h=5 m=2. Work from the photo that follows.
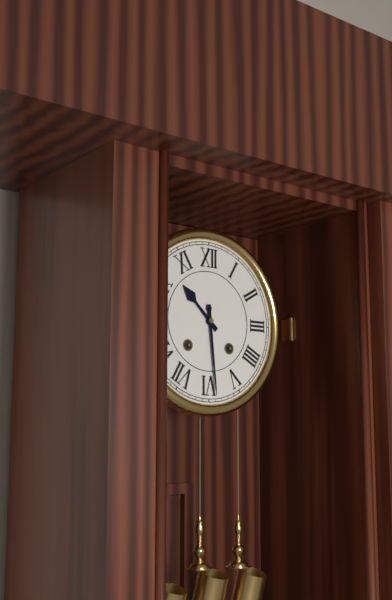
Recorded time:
h=10 m=29
